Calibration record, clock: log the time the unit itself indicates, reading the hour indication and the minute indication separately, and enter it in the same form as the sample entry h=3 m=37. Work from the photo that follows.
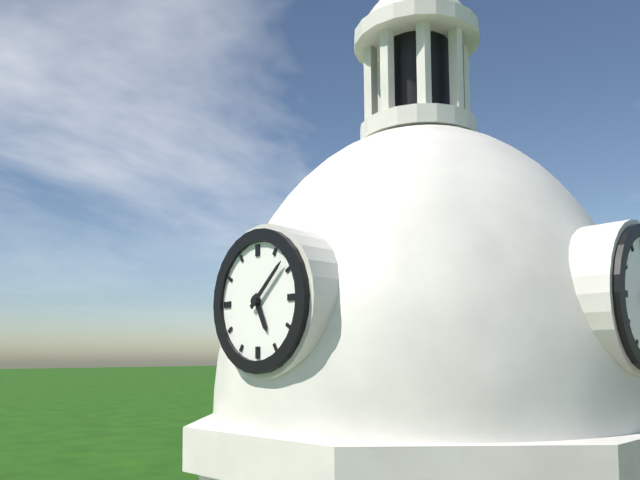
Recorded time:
h=5 m=8
